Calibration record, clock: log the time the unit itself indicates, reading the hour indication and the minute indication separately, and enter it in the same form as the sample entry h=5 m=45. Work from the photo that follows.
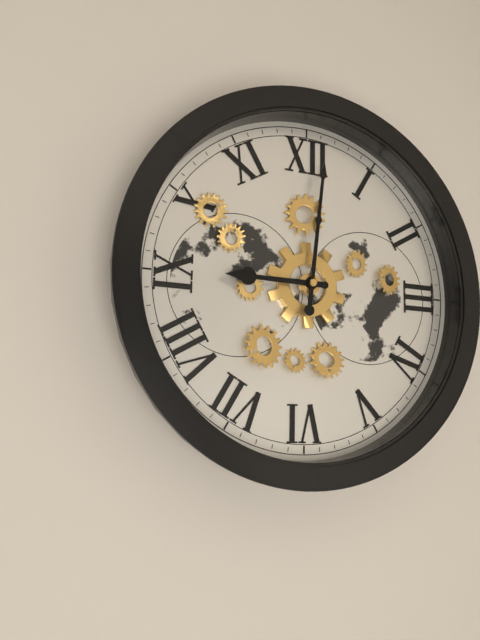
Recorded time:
h=9 m=1
